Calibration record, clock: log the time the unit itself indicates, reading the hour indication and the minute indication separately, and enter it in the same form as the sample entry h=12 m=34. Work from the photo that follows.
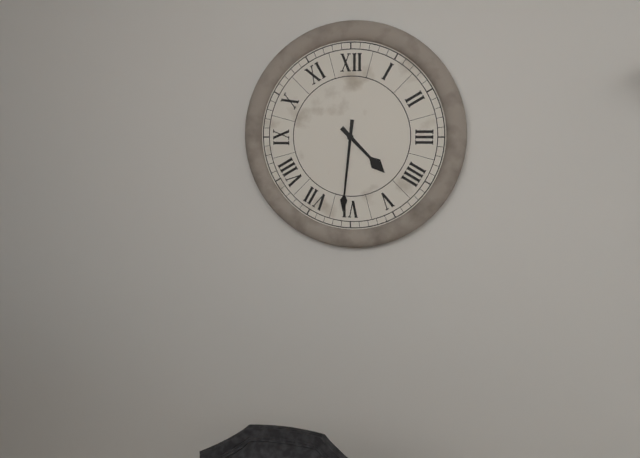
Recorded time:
h=4 m=31
